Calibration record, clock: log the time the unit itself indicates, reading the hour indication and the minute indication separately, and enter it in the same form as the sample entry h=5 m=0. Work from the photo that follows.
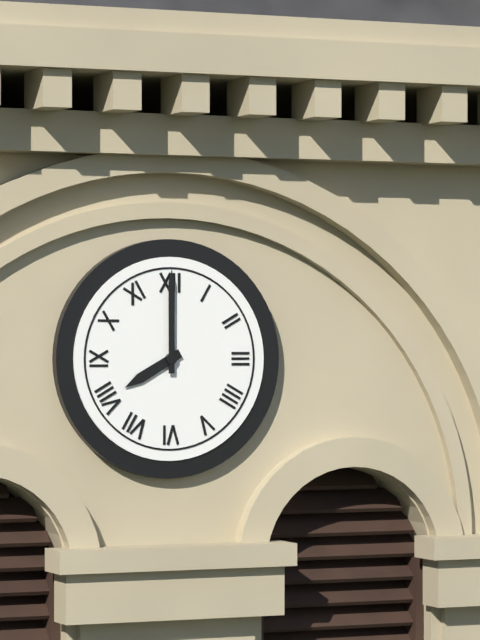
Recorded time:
h=8 m=0
